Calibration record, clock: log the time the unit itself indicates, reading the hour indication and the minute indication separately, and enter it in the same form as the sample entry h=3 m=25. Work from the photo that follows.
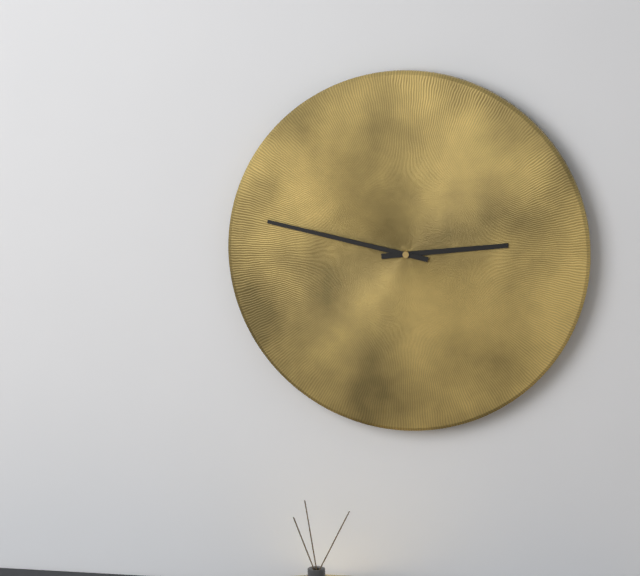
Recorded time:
h=2 m=47
